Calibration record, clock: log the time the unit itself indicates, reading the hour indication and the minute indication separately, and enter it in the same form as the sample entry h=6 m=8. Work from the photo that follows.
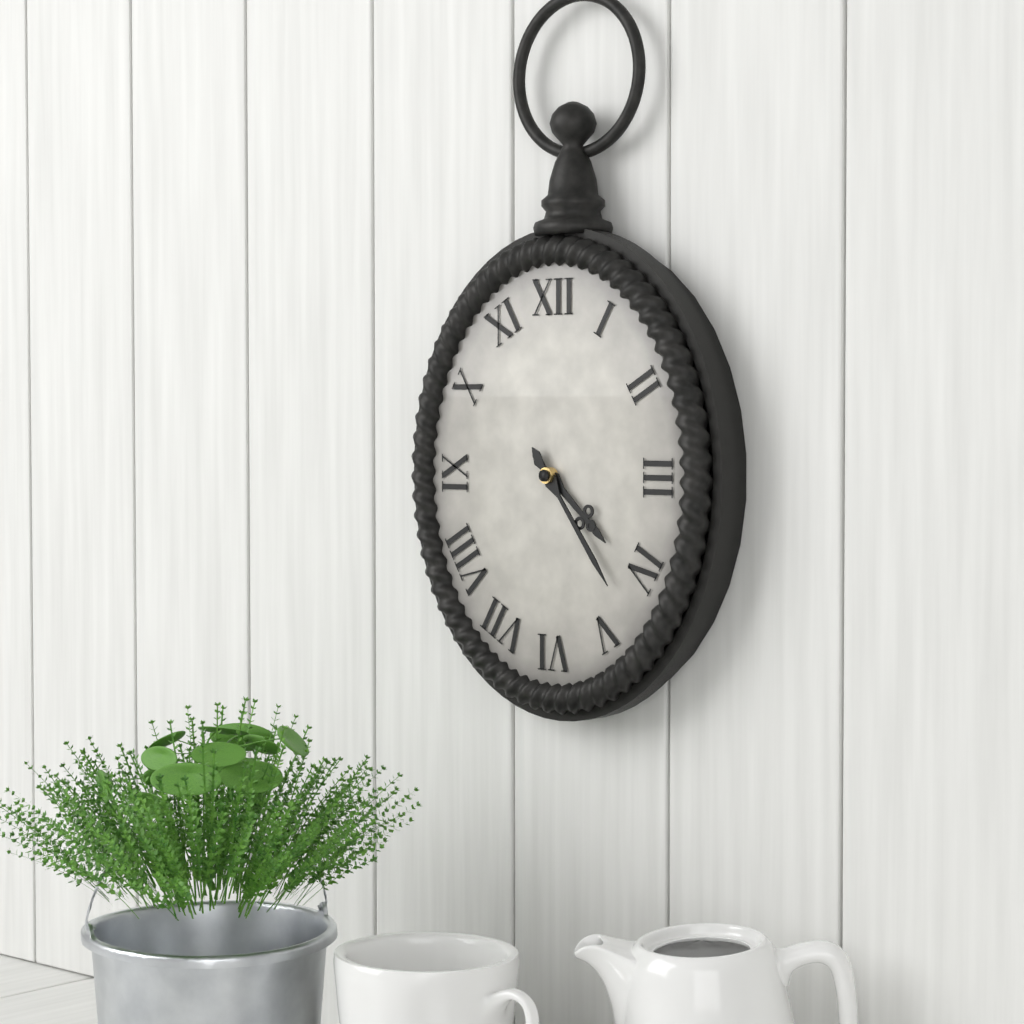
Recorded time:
h=4 m=24
